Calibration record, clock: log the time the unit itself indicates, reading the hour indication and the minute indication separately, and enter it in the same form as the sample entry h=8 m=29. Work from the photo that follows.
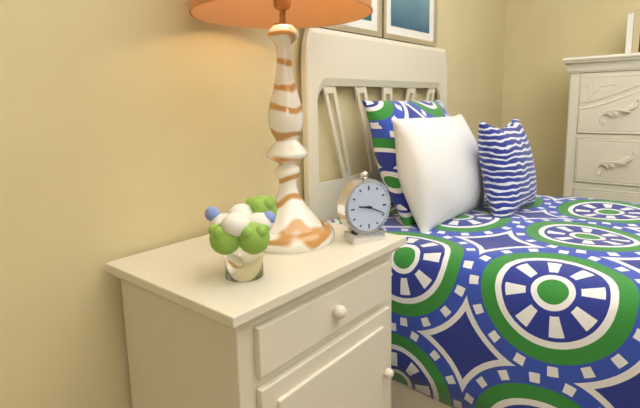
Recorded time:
h=9 m=19
